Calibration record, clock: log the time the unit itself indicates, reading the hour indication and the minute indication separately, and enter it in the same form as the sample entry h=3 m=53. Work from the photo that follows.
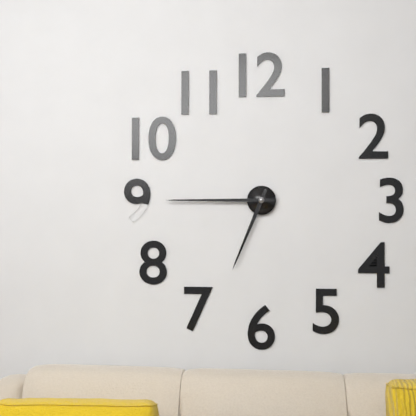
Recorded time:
h=6 m=45
